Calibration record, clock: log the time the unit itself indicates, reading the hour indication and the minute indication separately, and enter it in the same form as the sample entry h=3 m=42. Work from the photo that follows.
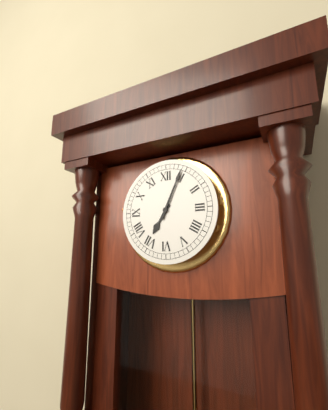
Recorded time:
h=7 m=4
